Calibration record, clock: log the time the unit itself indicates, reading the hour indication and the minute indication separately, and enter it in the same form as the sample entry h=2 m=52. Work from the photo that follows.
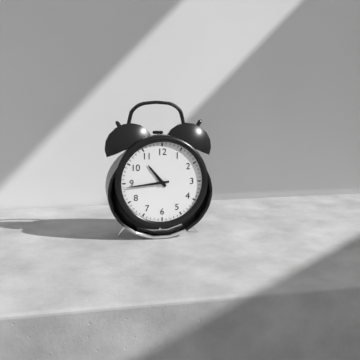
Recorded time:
h=10 m=44
